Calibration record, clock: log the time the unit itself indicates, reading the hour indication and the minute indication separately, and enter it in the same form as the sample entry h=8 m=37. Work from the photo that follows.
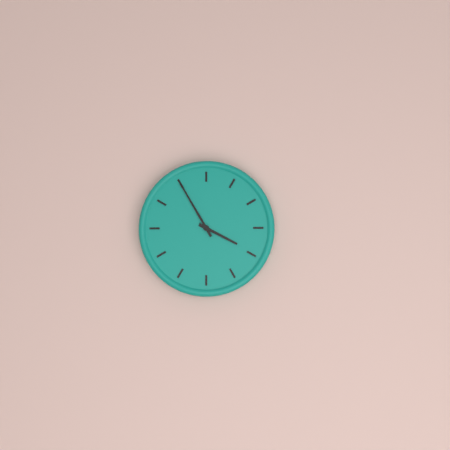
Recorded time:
h=3 m=55
